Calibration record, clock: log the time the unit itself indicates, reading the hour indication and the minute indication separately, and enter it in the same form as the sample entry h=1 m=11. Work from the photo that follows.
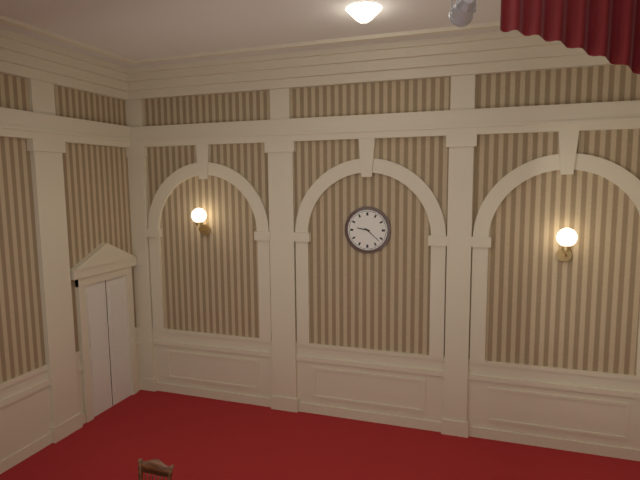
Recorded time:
h=9 m=22
